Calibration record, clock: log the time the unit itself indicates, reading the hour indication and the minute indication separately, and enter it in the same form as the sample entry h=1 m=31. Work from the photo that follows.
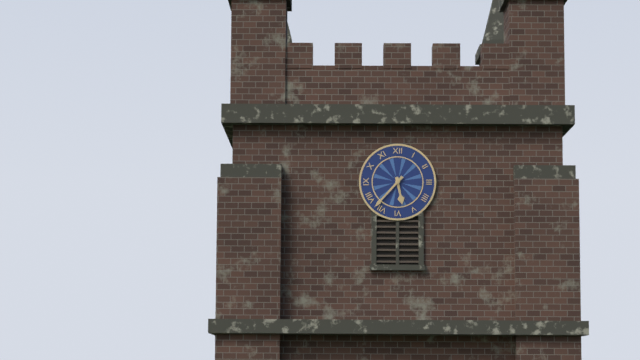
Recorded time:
h=5 m=37
